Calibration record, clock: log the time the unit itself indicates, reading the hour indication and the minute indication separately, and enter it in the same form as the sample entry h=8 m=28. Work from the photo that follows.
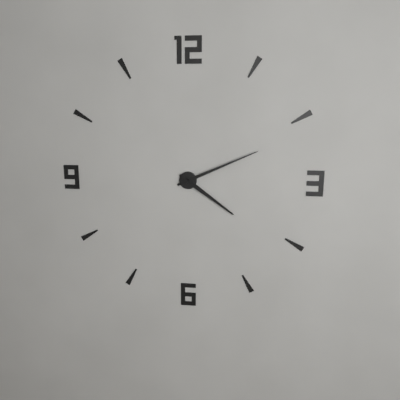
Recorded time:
h=4 m=11
